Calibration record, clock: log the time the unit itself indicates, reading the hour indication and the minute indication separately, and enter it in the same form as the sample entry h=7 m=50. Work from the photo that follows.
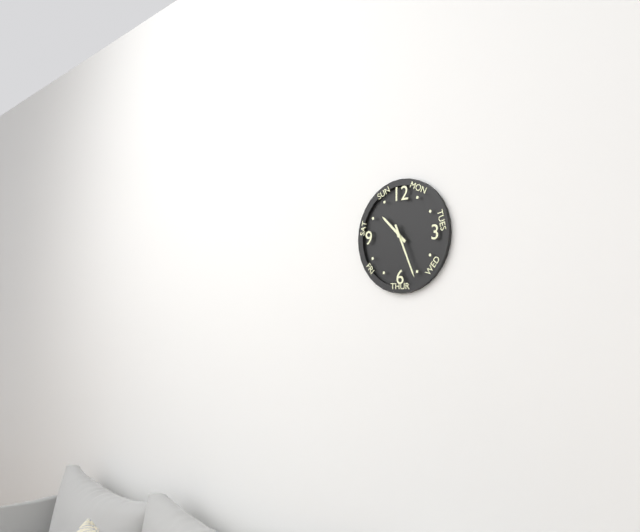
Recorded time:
h=10 m=26
